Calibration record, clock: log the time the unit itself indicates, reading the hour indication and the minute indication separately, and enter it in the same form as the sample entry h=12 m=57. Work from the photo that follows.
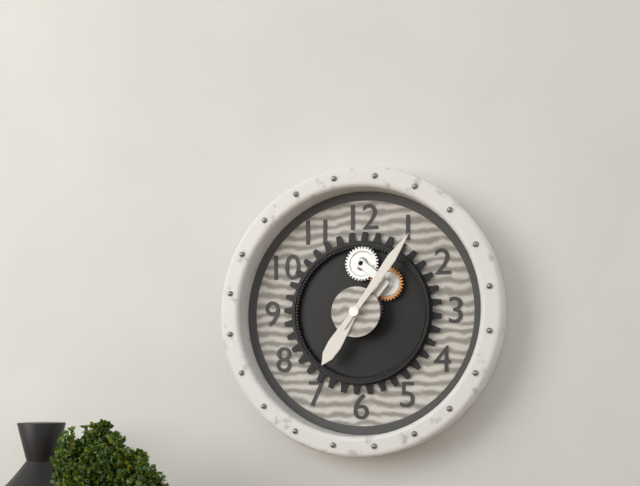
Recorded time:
h=7 m=6
